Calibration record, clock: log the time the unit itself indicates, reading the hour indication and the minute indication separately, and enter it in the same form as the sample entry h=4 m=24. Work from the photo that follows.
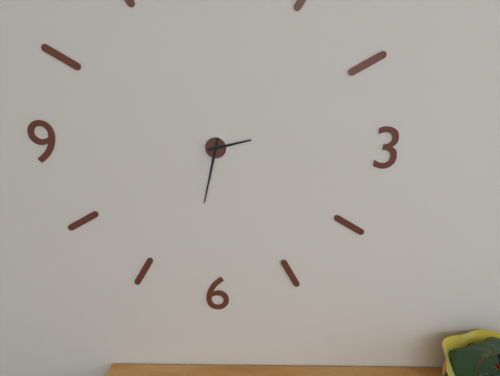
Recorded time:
h=2 m=32
